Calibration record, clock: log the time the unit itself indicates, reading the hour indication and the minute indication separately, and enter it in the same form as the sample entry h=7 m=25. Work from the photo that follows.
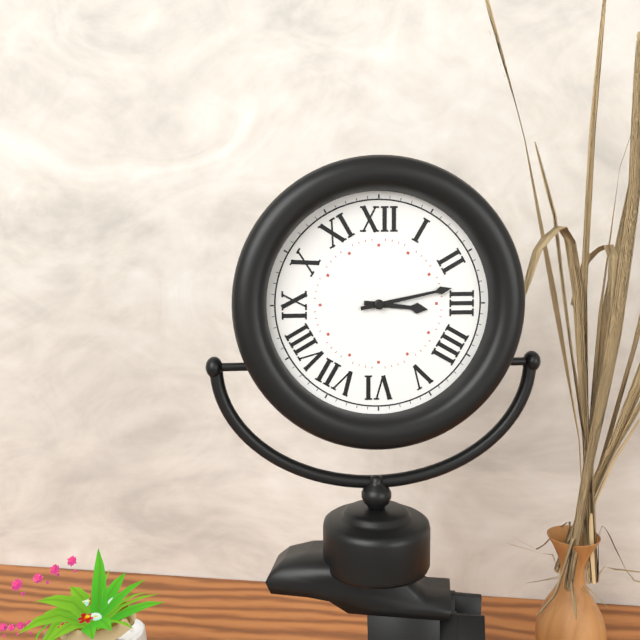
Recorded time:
h=3 m=13
